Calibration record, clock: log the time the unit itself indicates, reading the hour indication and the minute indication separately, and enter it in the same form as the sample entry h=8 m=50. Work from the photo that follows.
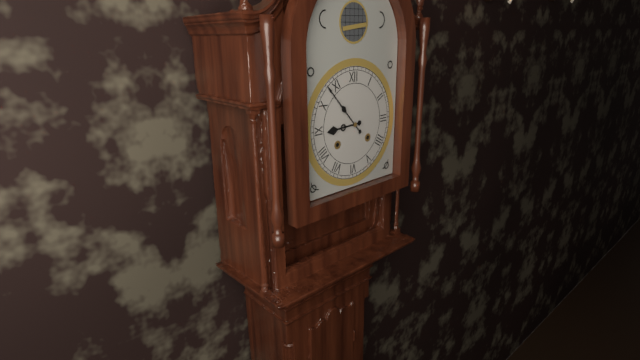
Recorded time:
h=8 m=53
